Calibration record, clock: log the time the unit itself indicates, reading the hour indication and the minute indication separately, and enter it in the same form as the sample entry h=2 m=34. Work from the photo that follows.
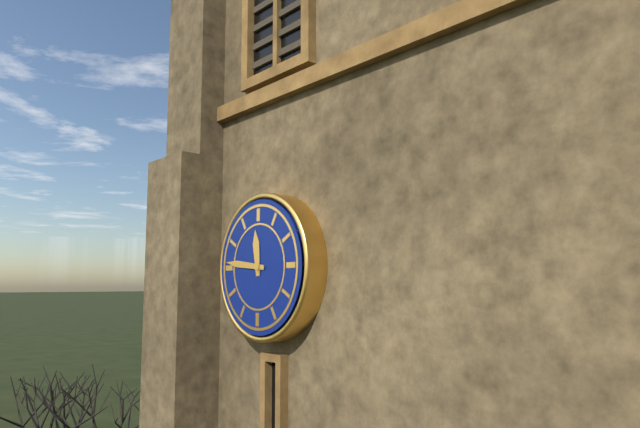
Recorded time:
h=11 m=46
